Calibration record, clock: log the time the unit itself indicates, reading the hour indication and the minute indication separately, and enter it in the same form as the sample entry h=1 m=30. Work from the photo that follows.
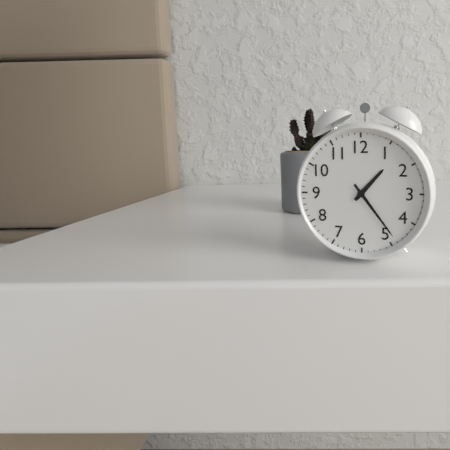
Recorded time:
h=1 m=24
